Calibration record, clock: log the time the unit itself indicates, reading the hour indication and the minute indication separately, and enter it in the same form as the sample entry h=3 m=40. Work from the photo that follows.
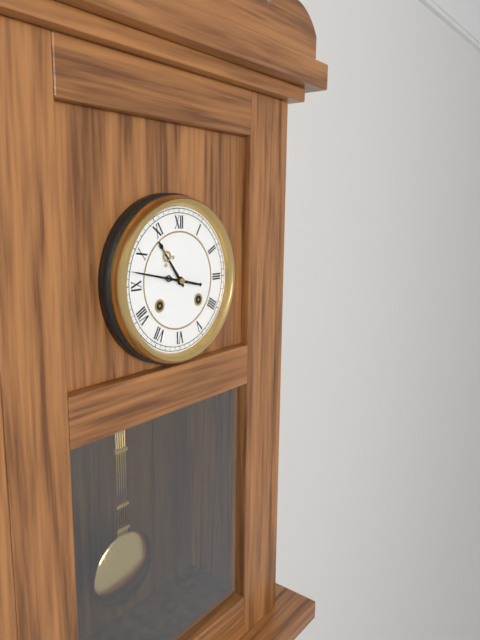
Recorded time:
h=10 m=47
